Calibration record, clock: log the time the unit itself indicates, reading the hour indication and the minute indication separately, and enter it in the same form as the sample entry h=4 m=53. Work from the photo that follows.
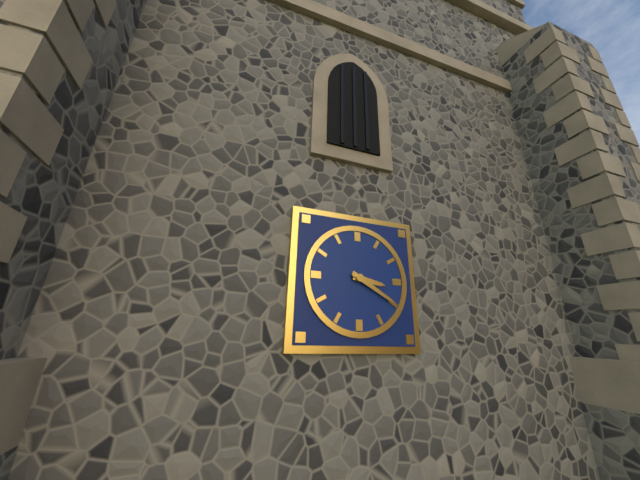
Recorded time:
h=3 m=20
